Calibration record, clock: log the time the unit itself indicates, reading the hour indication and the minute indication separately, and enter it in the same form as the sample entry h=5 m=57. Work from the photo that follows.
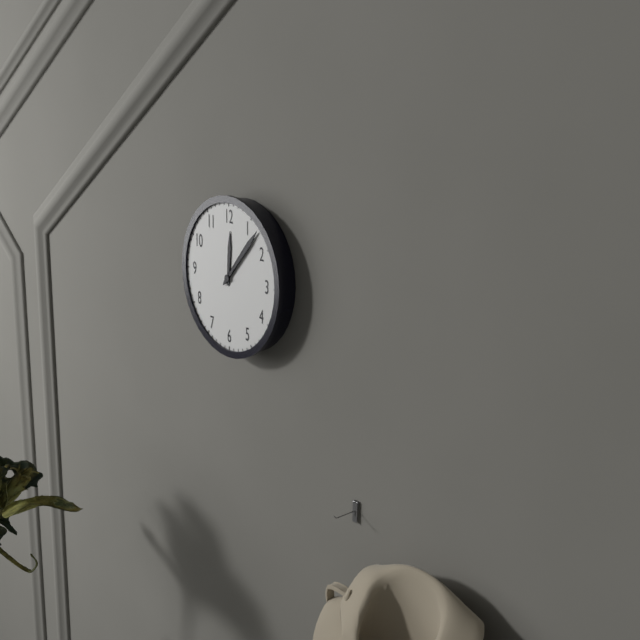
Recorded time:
h=12 m=7
